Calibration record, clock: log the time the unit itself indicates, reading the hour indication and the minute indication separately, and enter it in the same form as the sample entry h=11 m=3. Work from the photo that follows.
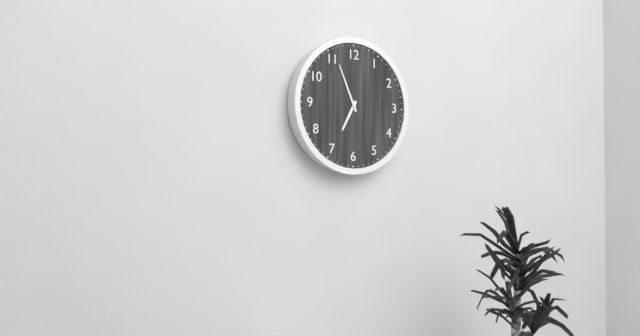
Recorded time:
h=6 m=56
